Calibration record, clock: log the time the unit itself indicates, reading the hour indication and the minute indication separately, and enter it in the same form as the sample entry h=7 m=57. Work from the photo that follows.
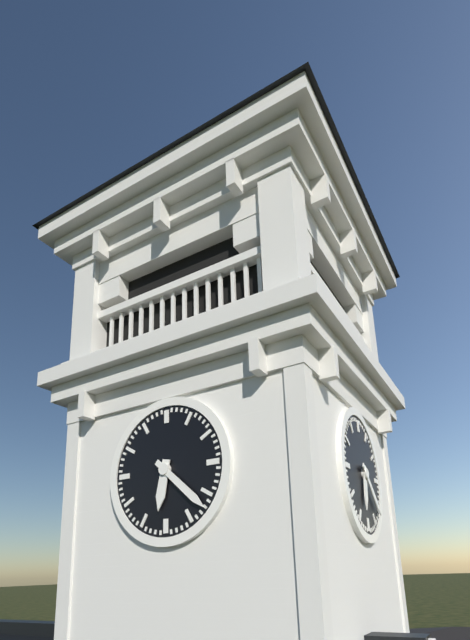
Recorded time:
h=6 m=22
